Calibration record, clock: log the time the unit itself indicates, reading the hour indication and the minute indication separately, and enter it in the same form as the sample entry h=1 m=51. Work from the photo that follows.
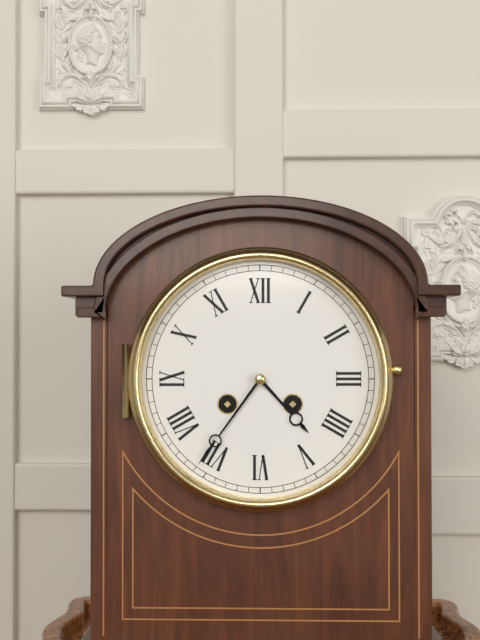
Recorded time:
h=4 m=36
